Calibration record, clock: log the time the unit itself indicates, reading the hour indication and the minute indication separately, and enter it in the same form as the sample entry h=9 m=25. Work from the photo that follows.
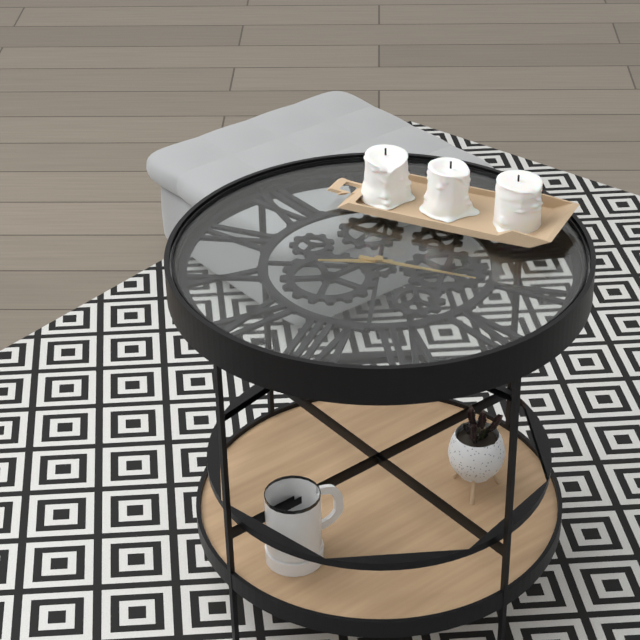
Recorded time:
h=10 m=25
